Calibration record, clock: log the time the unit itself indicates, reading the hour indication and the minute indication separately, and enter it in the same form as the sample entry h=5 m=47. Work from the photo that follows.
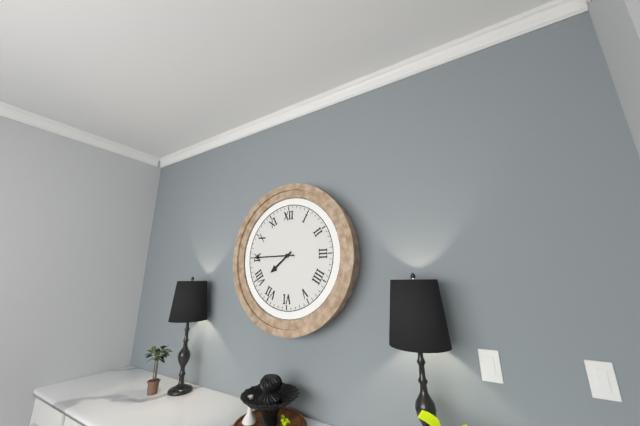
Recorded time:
h=7 m=45
